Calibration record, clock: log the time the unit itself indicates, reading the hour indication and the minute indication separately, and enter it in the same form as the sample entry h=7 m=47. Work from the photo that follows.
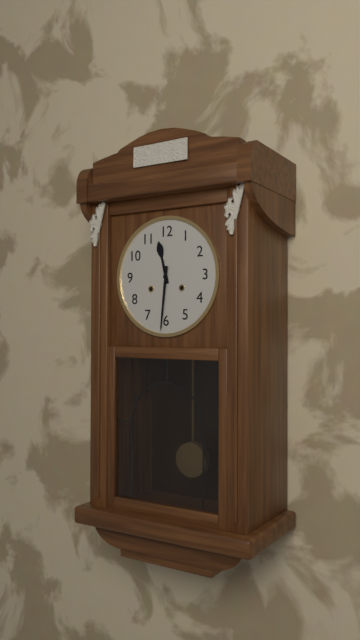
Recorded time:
h=11 m=31
